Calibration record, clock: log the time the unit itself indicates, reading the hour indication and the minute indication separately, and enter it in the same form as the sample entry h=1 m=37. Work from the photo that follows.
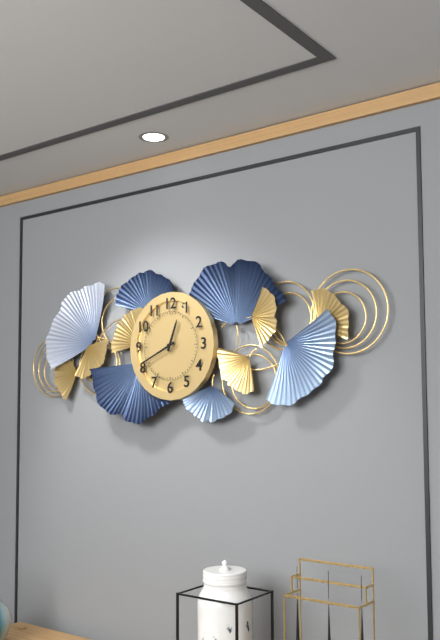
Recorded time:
h=12 m=41
